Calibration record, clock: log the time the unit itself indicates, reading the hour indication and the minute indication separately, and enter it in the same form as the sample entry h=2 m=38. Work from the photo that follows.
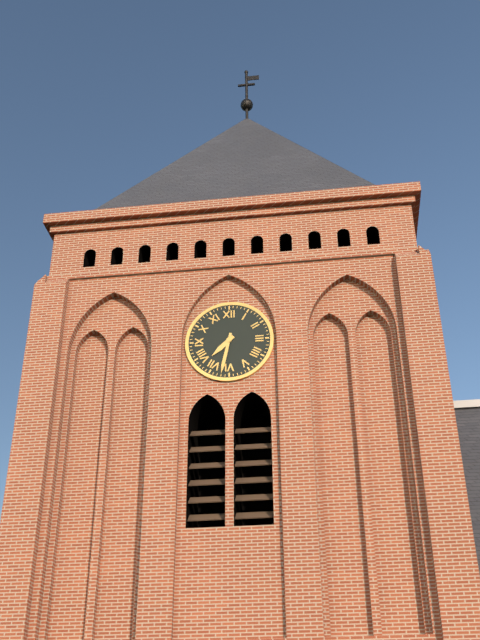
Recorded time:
h=7 m=32
